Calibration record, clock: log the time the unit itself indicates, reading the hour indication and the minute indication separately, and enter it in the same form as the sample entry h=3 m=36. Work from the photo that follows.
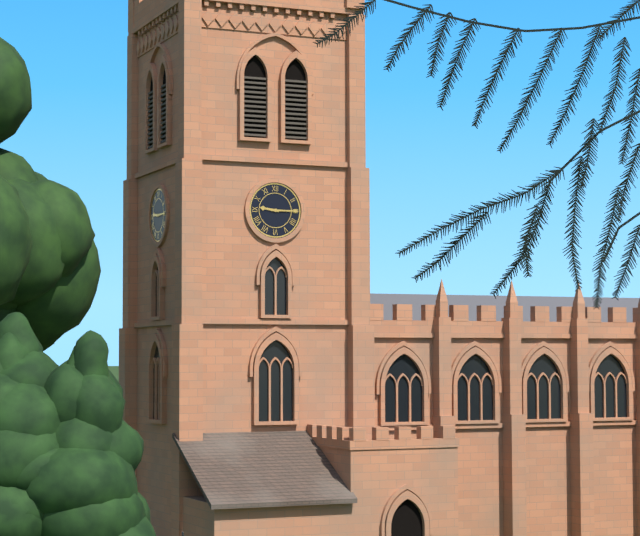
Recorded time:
h=9 m=15
